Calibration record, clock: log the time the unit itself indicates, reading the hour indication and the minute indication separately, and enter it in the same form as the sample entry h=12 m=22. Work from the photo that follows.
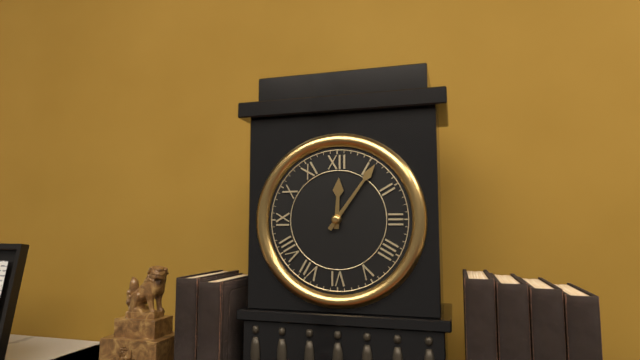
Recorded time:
h=12 m=6
